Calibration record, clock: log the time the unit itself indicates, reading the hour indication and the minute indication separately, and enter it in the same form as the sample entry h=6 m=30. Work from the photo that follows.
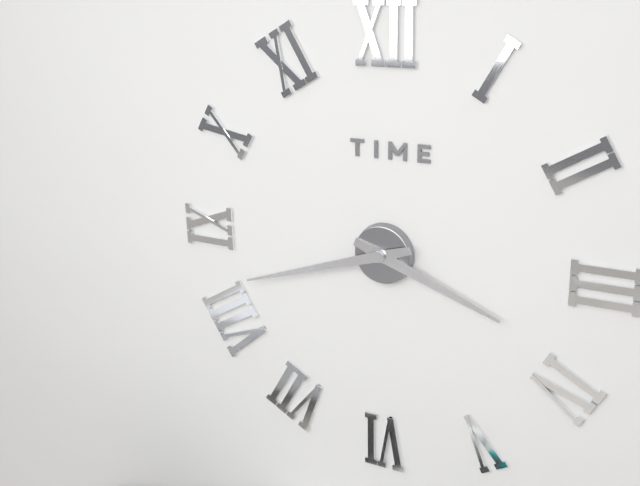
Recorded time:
h=3 m=42
